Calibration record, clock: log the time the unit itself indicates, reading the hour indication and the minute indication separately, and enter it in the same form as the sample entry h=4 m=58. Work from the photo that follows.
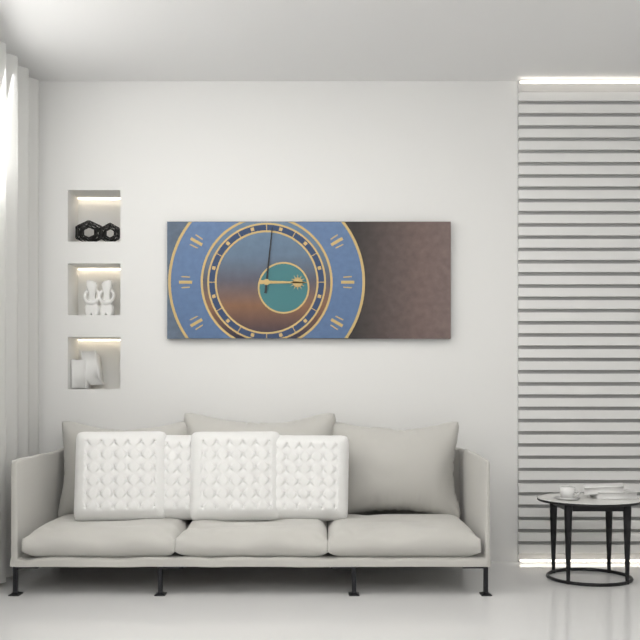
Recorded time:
h=3 m=1
